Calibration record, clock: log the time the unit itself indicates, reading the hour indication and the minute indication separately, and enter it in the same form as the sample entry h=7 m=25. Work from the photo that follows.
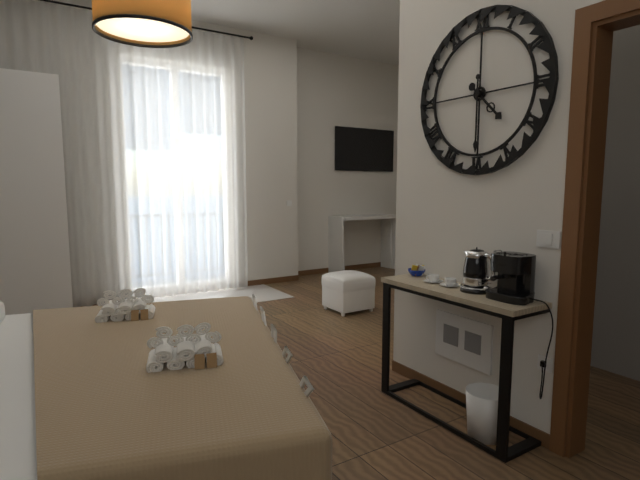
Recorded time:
h=4 m=30
